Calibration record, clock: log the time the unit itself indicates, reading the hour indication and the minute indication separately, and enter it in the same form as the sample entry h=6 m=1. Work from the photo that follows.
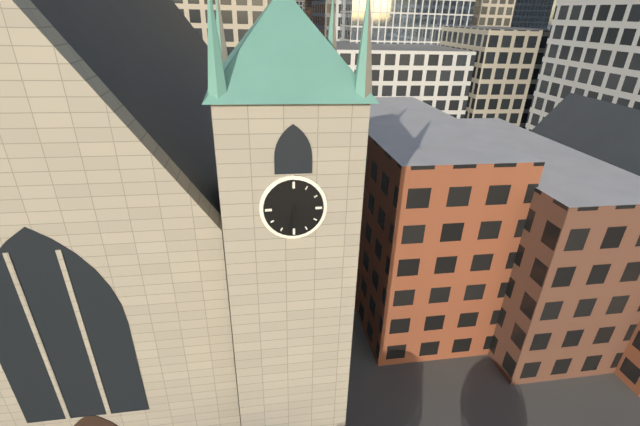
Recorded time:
h=5 m=32
